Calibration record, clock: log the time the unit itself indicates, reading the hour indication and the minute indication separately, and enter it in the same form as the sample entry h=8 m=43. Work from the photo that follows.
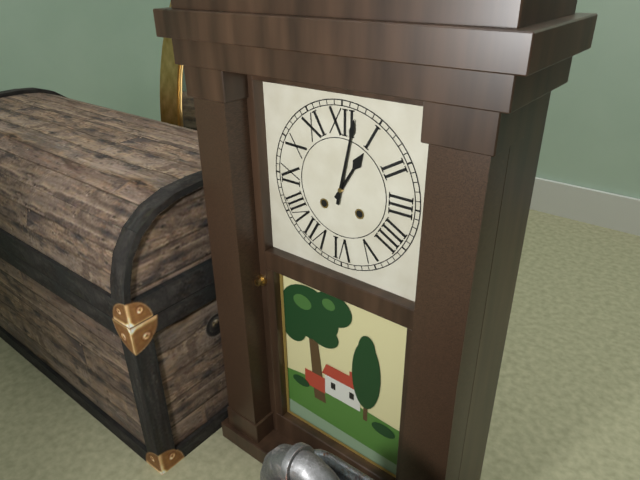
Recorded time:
h=1 m=2
